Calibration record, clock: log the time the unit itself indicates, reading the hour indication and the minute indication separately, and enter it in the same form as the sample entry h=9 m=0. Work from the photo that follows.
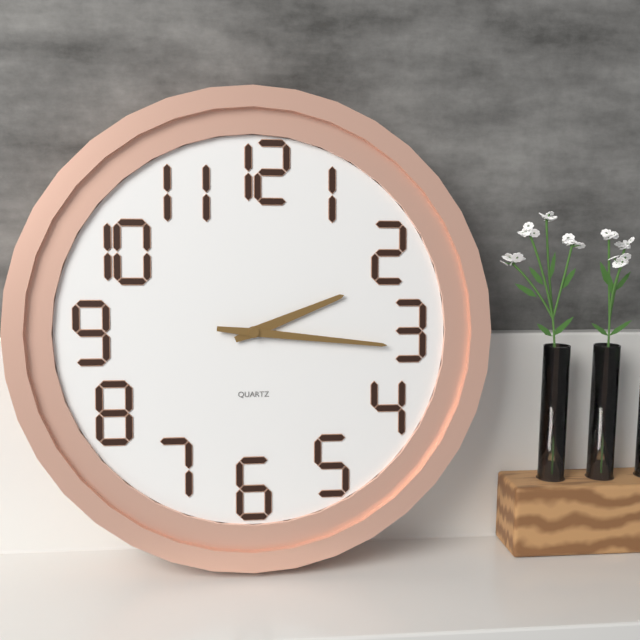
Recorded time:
h=2 m=16
